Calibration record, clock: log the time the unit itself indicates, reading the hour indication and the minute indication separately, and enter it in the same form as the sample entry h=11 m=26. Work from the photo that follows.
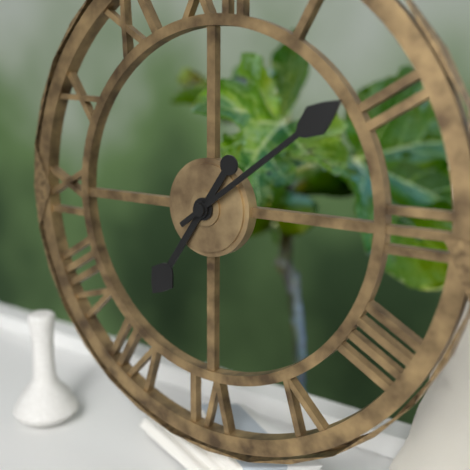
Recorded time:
h=7 m=9
